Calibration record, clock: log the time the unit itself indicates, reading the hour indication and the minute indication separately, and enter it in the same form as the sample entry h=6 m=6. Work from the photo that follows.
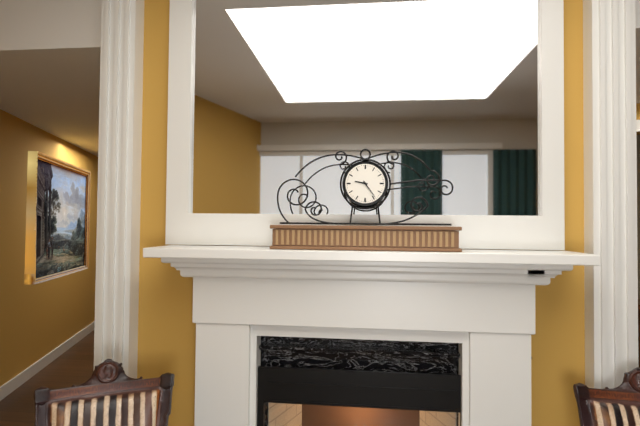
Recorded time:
h=9 m=24
